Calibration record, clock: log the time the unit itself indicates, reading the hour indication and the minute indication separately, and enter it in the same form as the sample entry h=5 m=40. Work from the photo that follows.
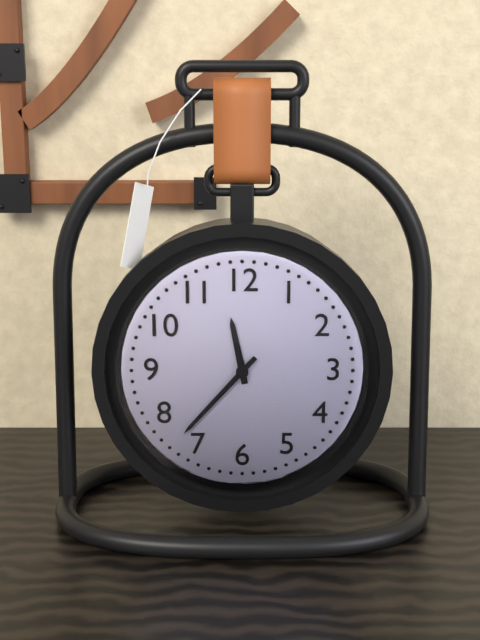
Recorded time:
h=11 m=37
